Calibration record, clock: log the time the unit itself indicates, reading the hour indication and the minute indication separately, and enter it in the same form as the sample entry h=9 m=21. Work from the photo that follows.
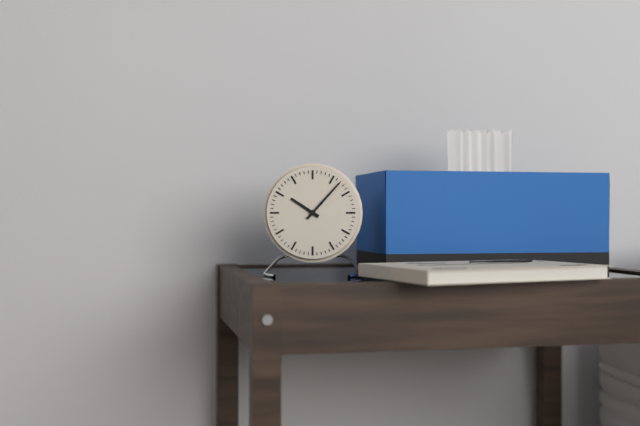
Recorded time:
h=10 m=7
